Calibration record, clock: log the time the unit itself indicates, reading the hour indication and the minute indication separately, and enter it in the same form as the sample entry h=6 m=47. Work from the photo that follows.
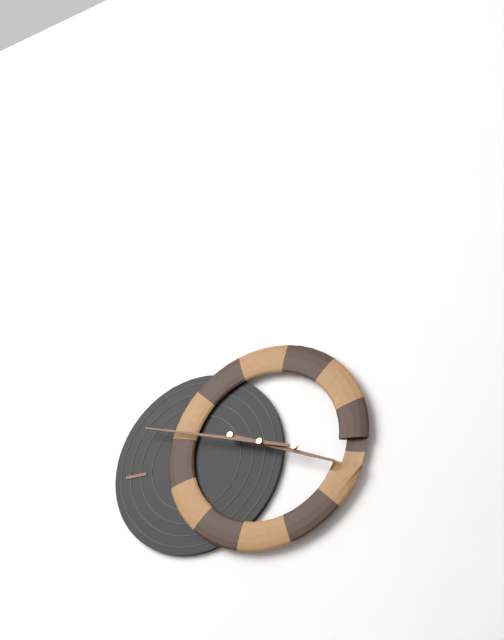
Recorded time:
h=3 m=48
